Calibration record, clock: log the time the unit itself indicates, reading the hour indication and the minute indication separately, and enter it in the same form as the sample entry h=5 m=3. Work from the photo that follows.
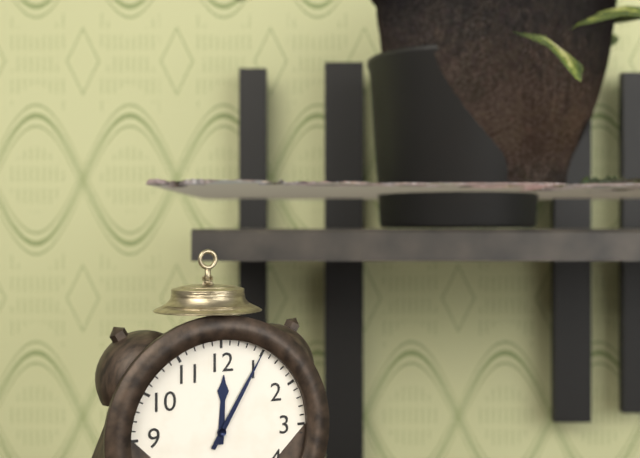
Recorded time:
h=12 m=5
